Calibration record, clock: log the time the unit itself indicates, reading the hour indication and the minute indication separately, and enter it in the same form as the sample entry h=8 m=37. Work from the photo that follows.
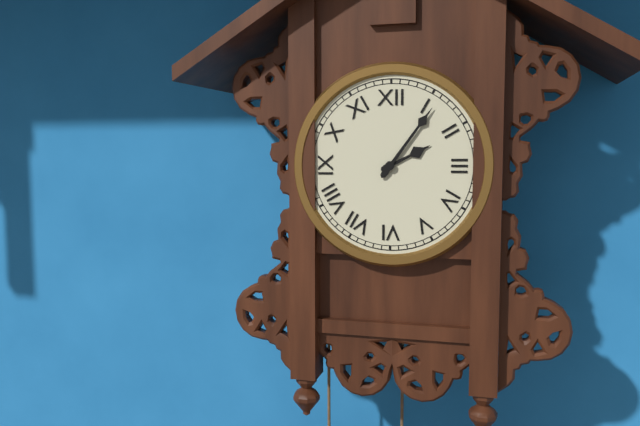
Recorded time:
h=2 m=6
